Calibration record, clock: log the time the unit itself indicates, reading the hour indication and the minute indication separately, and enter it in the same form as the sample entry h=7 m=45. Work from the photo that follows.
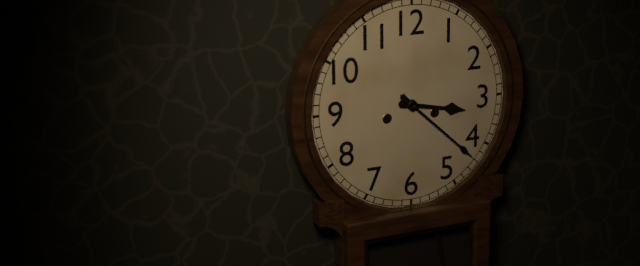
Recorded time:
h=3 m=22
